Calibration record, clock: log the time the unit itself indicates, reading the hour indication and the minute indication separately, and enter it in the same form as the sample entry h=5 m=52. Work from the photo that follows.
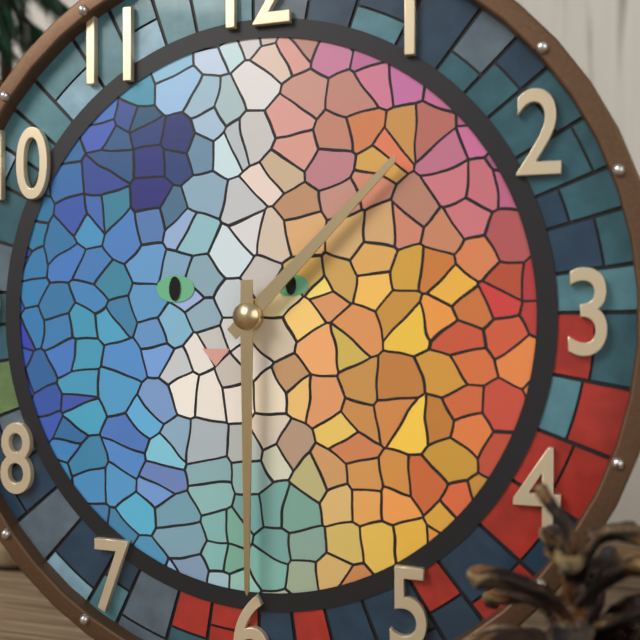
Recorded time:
h=1 m=30
